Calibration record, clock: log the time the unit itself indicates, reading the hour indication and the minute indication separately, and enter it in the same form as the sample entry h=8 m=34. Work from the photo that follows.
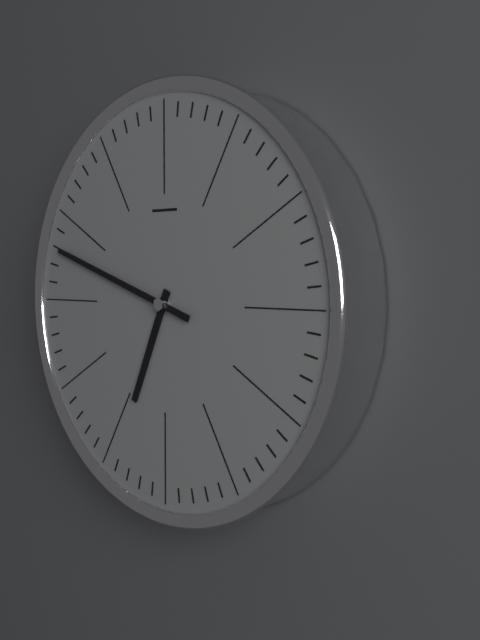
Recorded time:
h=6 m=48
